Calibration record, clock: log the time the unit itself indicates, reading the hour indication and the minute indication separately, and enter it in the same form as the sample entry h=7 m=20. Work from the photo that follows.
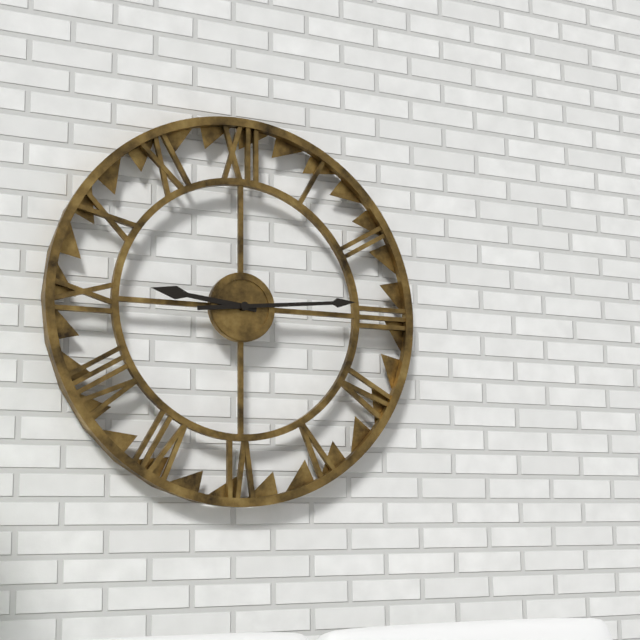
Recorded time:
h=9 m=14
